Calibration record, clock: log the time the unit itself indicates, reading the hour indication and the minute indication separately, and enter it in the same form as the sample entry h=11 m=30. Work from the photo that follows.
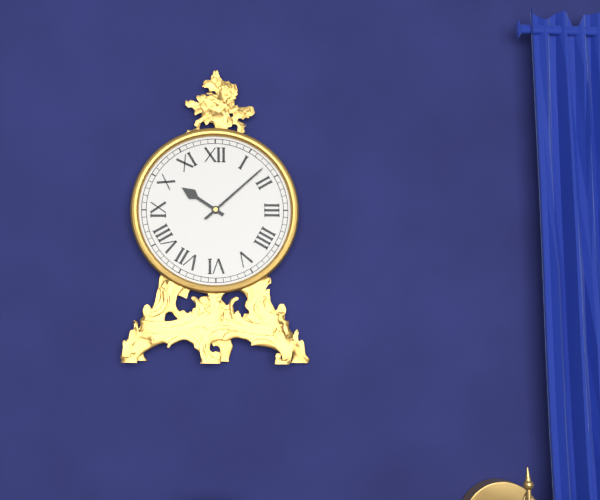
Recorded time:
h=10 m=8
